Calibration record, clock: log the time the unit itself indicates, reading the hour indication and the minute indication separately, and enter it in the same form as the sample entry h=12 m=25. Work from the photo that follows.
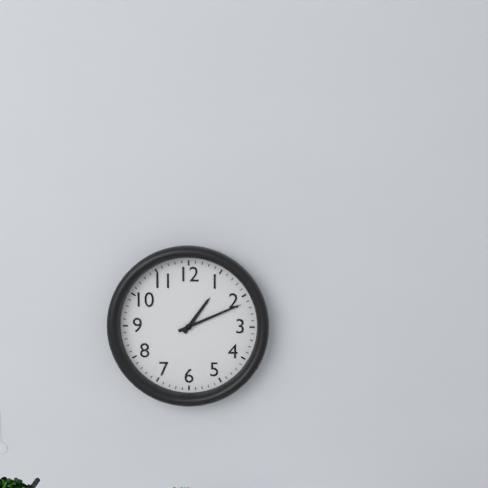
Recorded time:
h=1 m=11
